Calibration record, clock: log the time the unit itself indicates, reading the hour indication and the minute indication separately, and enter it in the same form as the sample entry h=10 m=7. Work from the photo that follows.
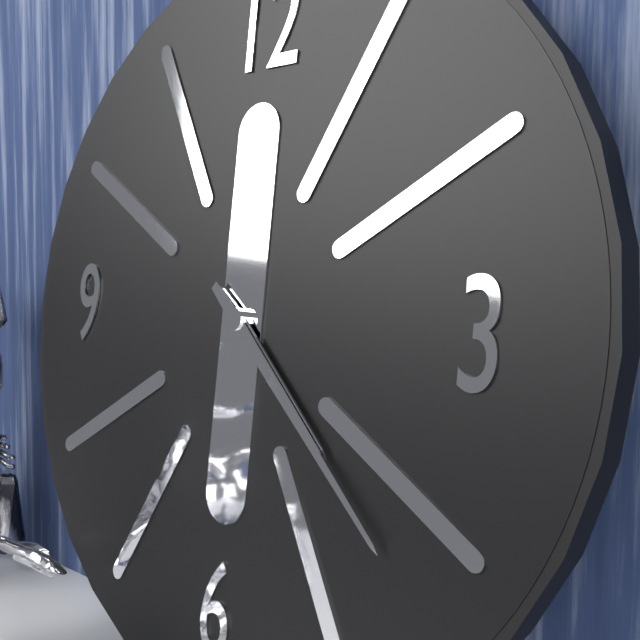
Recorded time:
h=4 m=22
